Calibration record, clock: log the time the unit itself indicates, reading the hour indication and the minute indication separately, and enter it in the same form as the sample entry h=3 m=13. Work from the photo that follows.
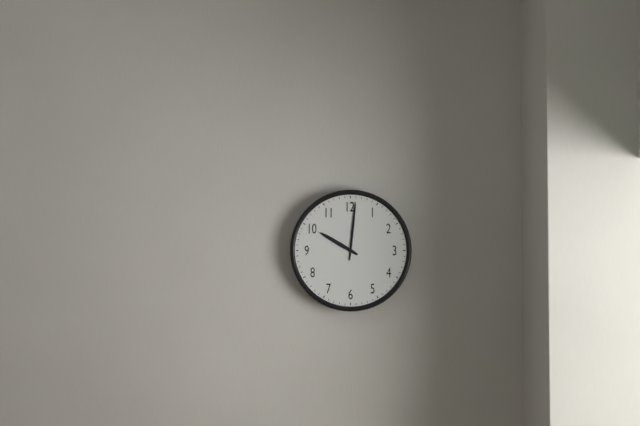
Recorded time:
h=10 m=1
